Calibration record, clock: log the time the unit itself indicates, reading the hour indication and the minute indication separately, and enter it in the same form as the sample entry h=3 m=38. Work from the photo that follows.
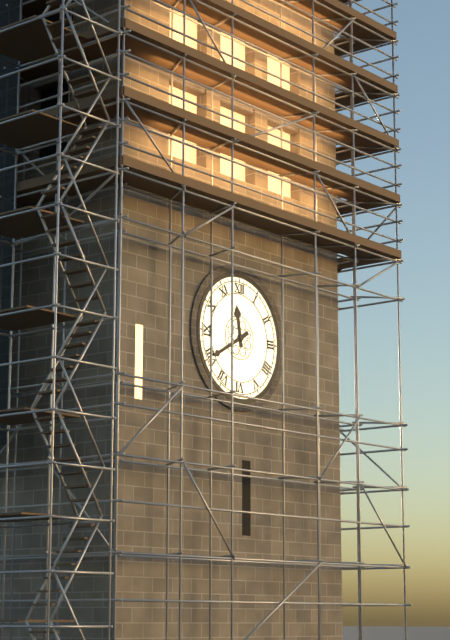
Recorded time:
h=11 m=40
